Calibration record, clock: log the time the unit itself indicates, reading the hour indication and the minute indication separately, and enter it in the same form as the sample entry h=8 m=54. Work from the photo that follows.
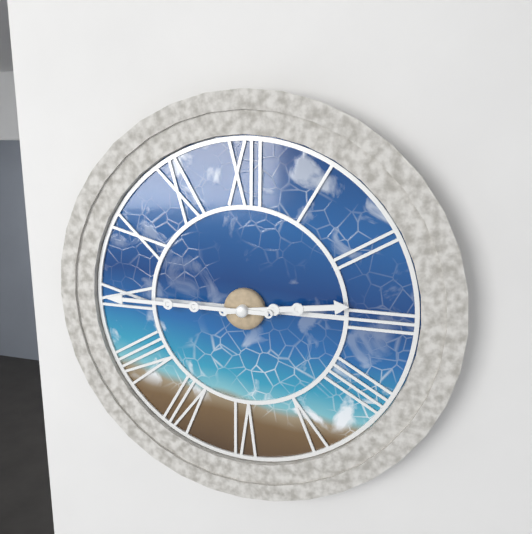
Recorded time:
h=2 m=45
